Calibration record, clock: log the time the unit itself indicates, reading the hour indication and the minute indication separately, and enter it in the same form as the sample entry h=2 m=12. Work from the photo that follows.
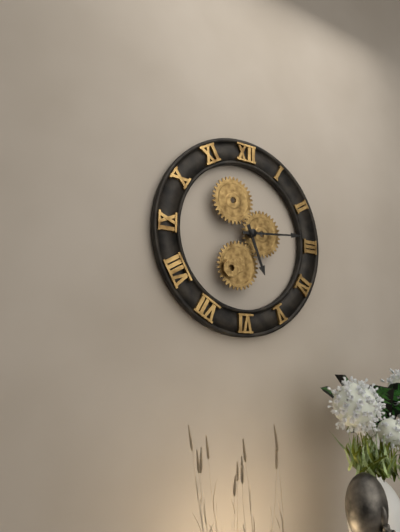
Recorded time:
h=5 m=14
